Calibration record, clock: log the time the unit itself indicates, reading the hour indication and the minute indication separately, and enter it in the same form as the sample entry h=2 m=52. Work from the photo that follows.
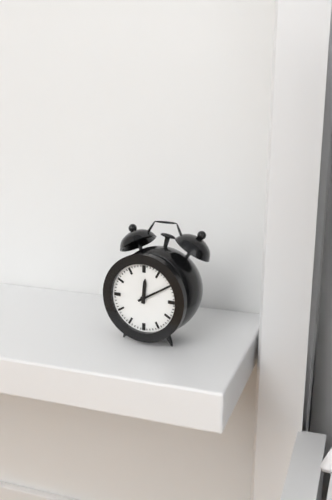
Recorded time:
h=12 m=10
